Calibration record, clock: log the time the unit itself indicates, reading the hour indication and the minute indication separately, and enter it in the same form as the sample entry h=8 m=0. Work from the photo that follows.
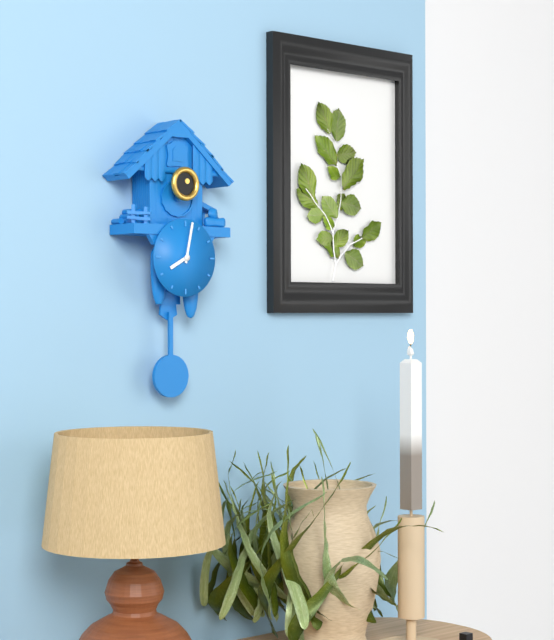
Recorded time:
h=8 m=2
